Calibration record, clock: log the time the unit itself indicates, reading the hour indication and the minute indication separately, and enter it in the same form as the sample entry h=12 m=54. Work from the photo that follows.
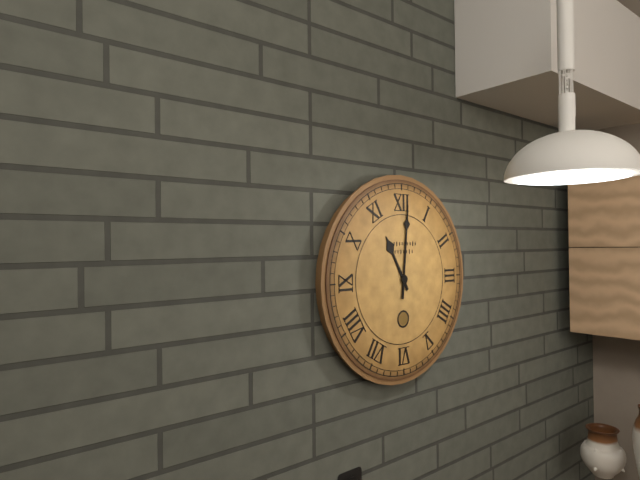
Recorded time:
h=11 m=1
